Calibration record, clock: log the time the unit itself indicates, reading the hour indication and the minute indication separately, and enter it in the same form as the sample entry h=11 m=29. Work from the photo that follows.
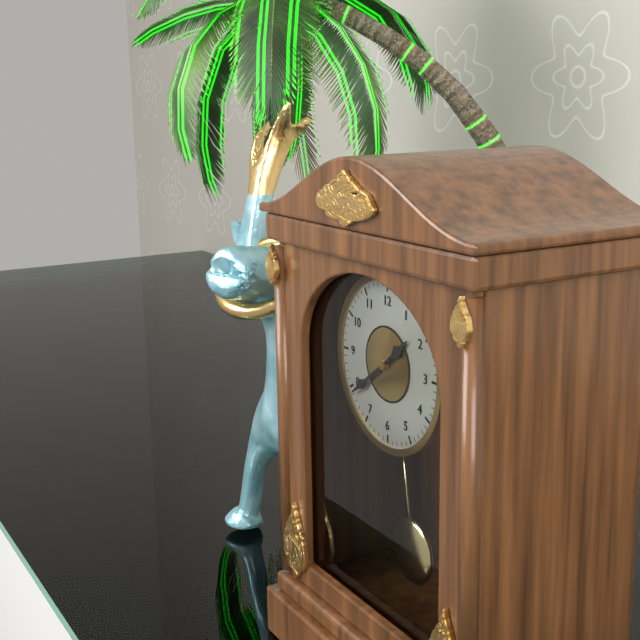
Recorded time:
h=1 m=39
